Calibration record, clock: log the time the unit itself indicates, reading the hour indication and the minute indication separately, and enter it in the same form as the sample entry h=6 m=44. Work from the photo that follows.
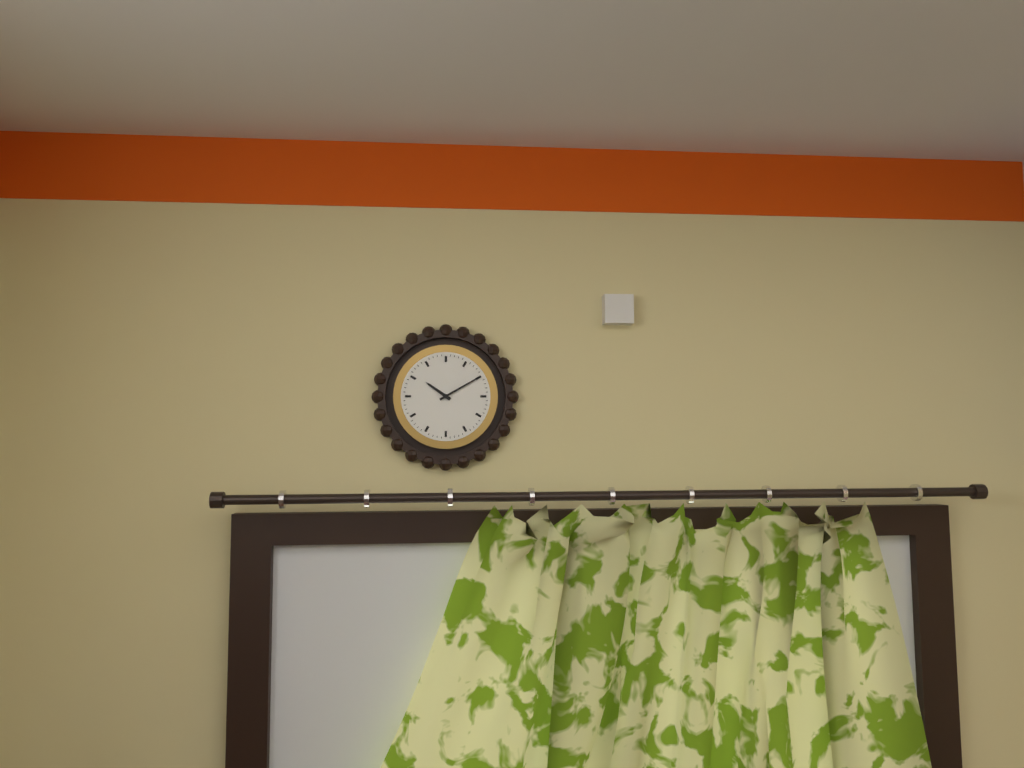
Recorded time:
h=10 m=10
